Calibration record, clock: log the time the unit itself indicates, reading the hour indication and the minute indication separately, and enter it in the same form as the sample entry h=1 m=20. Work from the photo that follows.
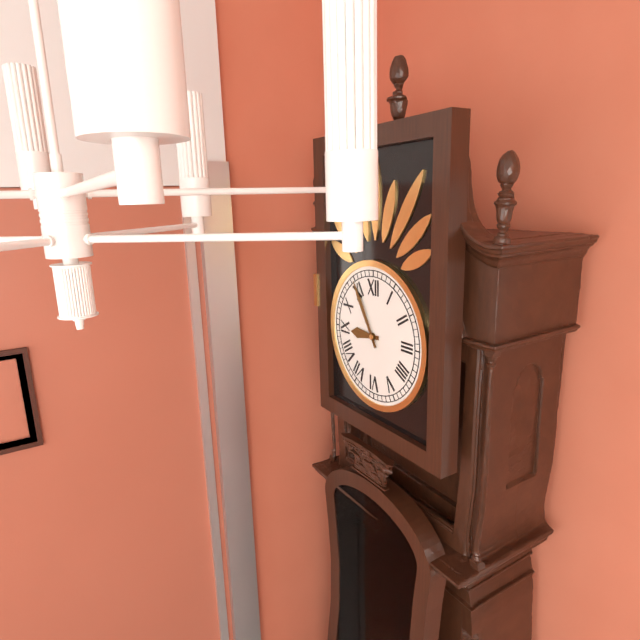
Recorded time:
h=8 m=55
